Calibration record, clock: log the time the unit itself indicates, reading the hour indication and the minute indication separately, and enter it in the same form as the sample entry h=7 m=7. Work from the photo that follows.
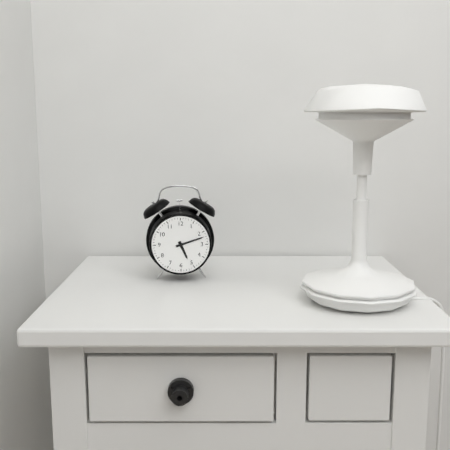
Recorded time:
h=5 m=12
